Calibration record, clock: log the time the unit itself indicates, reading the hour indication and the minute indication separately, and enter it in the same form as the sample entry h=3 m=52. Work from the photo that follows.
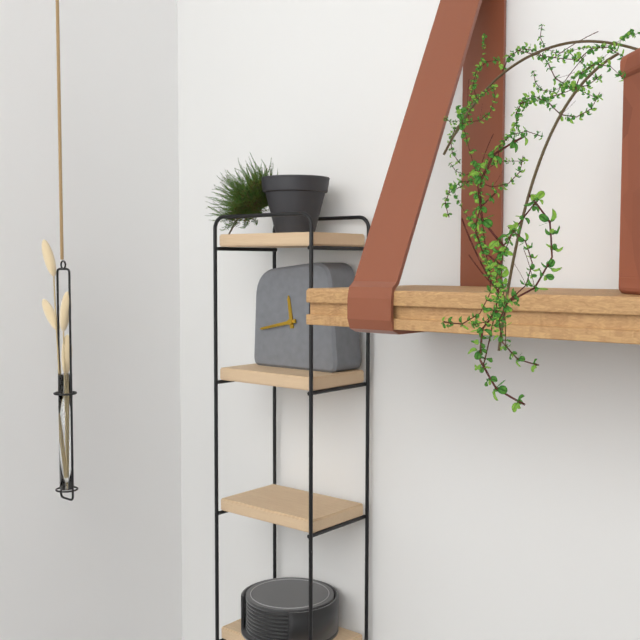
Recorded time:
h=11 m=43
